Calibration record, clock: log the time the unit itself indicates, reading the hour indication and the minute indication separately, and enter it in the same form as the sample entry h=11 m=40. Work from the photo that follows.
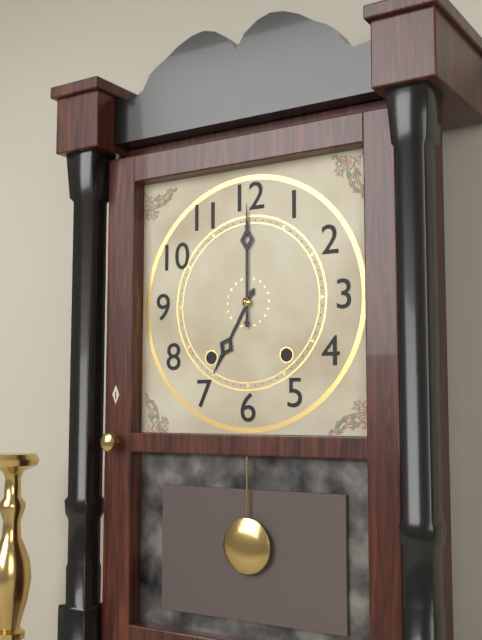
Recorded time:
h=7 m=0
